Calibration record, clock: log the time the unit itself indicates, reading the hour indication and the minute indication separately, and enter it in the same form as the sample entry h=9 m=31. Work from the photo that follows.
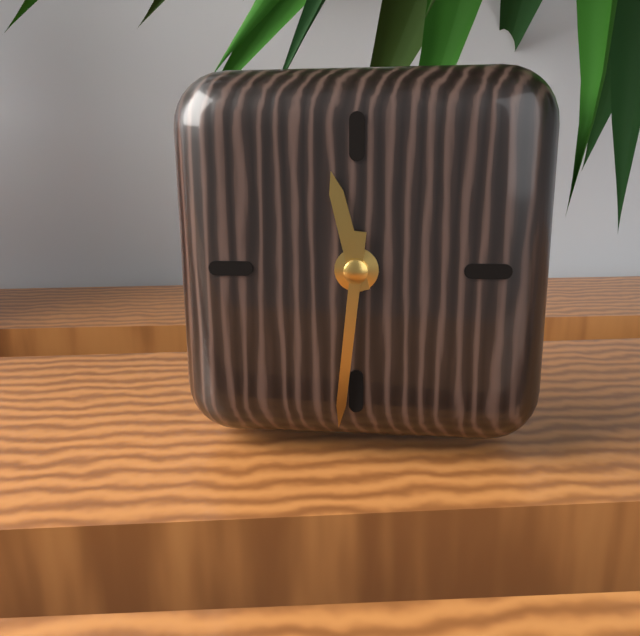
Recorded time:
h=11 m=31
